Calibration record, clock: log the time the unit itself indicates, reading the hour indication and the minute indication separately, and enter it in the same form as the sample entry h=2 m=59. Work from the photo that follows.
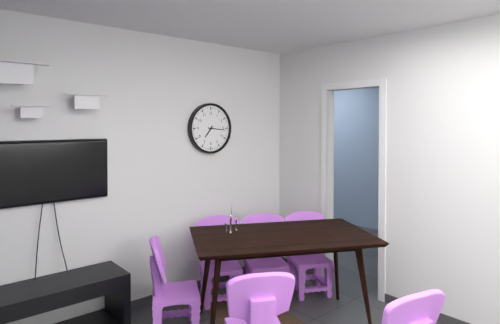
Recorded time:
h=7 m=16
